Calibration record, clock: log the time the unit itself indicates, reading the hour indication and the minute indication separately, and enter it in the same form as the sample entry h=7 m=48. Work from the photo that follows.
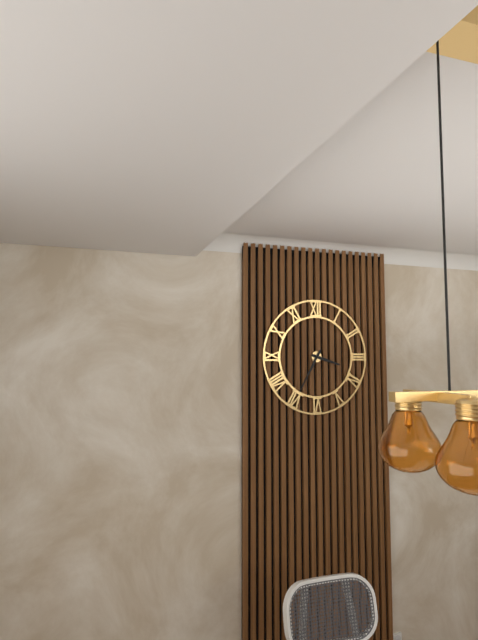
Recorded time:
h=3 m=35
